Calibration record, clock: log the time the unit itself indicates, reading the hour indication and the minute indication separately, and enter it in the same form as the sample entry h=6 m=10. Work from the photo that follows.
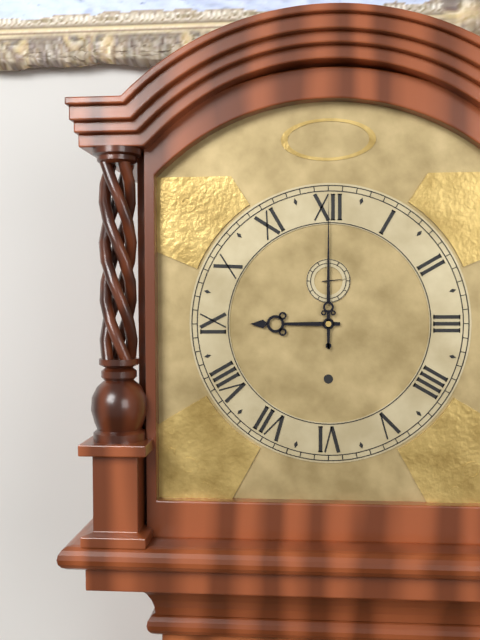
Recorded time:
h=9 m=0
